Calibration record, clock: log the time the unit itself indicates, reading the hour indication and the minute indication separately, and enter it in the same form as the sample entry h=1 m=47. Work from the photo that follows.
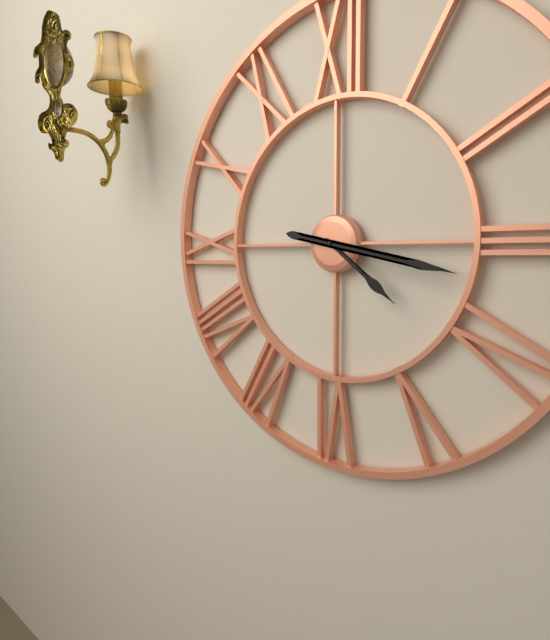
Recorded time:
h=4 m=17
